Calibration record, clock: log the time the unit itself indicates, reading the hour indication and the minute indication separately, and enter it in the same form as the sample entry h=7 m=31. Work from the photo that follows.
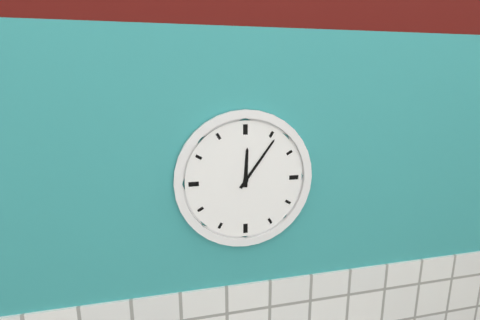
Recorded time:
h=12 m=6
